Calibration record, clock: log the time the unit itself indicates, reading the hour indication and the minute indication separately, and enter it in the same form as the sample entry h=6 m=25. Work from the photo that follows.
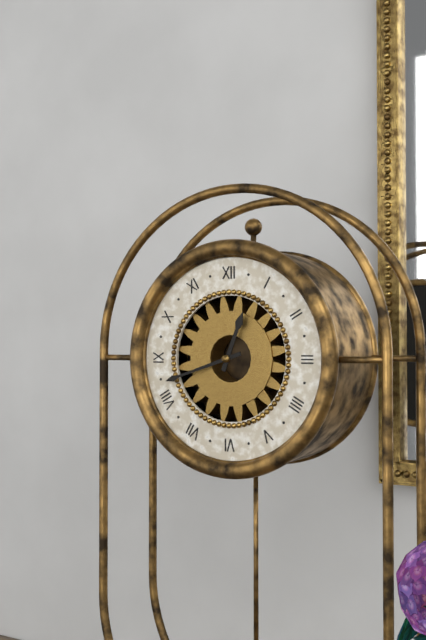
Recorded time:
h=12 m=42
